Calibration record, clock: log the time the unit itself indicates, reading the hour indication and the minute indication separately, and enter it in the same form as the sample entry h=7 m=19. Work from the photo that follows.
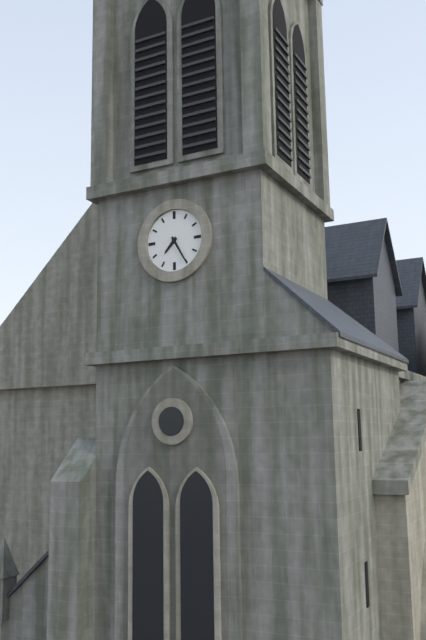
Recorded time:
h=7 m=25
